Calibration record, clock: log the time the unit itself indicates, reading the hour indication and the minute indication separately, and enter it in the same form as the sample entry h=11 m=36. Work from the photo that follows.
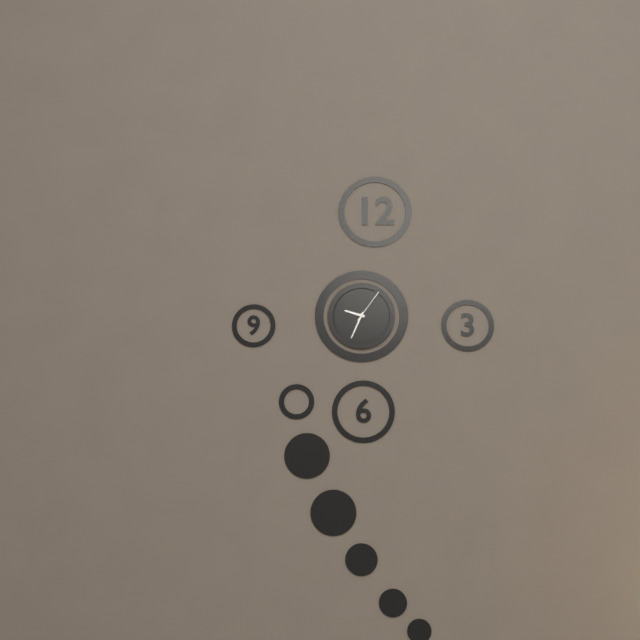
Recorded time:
h=9 m=34
